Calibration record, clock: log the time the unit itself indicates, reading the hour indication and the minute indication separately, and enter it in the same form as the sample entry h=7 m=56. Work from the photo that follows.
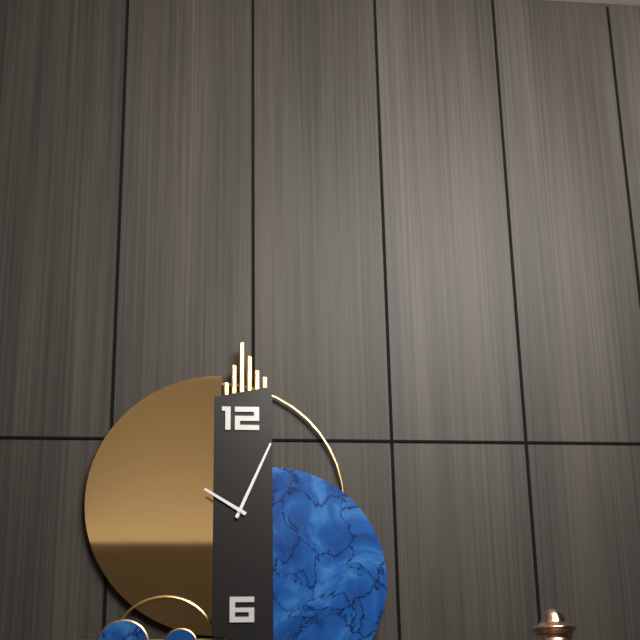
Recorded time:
h=10 m=4
